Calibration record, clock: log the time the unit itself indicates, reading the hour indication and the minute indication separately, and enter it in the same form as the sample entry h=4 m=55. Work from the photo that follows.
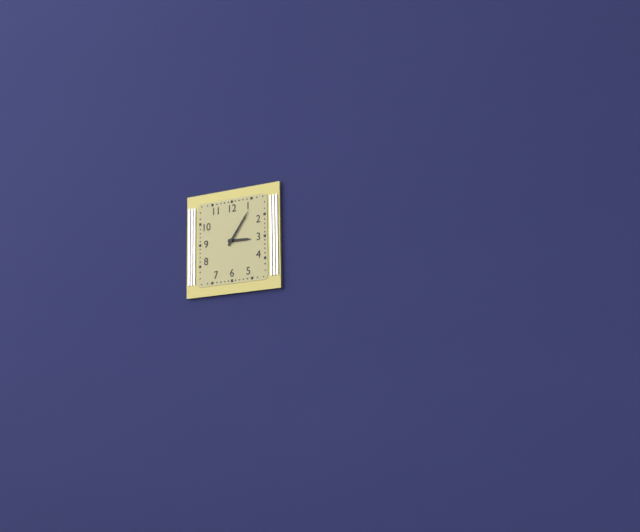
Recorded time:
h=3 m=6
